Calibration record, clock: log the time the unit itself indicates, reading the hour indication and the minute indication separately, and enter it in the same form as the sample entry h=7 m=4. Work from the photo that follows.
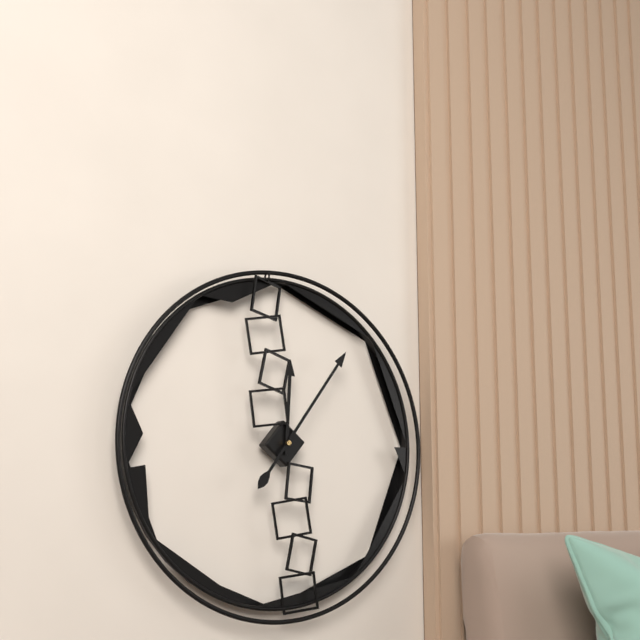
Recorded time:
h=12 m=6
